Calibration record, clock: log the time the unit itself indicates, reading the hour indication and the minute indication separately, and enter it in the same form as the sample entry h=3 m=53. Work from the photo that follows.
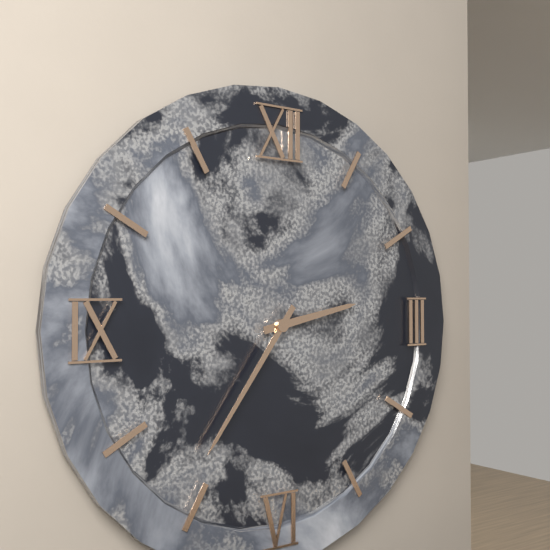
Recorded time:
h=2 m=36
